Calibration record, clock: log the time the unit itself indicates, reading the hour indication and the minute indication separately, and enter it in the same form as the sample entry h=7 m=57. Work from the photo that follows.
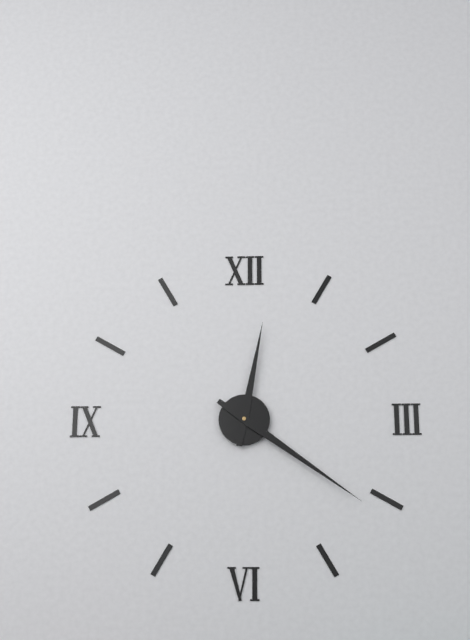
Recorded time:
h=12 m=21
